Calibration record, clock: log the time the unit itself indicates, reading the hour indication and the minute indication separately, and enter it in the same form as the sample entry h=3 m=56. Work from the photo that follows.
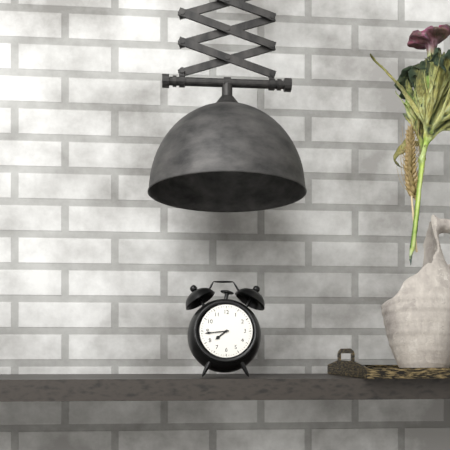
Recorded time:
h=7 m=44
